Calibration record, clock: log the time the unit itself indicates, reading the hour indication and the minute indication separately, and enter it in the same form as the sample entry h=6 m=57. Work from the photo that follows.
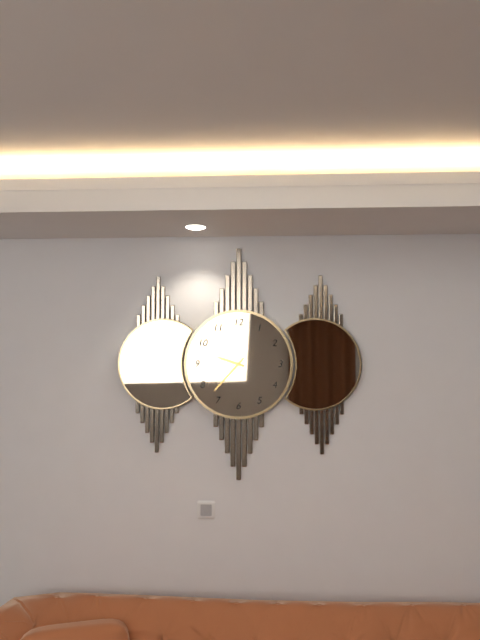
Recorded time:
h=9 m=37
